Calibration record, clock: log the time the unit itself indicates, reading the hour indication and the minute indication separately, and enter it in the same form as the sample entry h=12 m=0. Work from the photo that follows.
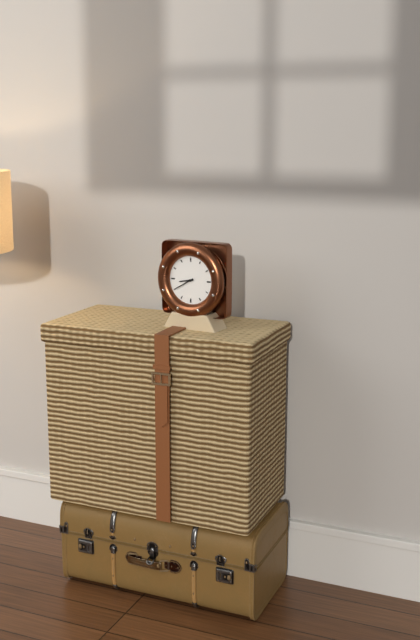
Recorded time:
h=8 m=40
